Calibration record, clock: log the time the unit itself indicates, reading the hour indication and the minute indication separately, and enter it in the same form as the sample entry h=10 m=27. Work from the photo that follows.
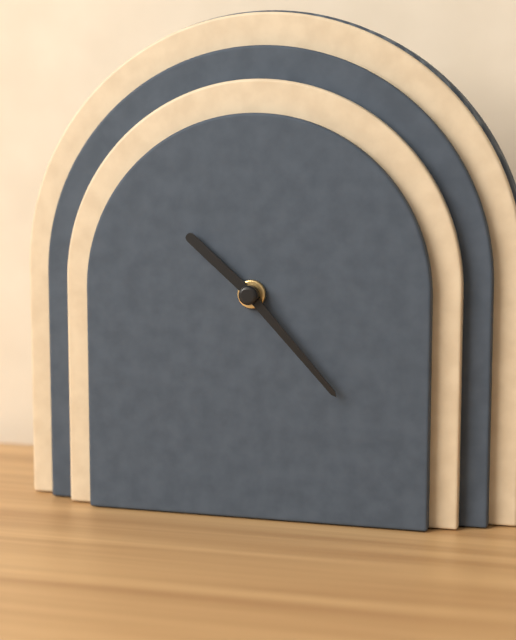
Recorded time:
h=10 m=23
